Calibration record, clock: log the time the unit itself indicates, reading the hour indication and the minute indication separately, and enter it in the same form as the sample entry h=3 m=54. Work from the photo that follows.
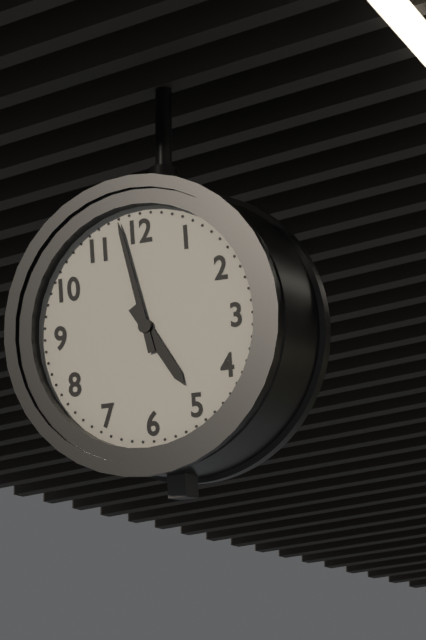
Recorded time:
h=4 m=58
